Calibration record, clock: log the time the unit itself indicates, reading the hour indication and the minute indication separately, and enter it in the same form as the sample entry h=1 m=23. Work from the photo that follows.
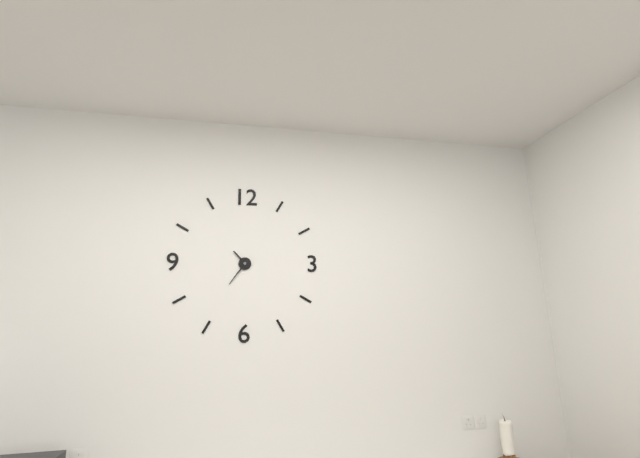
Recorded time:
h=10 m=36
